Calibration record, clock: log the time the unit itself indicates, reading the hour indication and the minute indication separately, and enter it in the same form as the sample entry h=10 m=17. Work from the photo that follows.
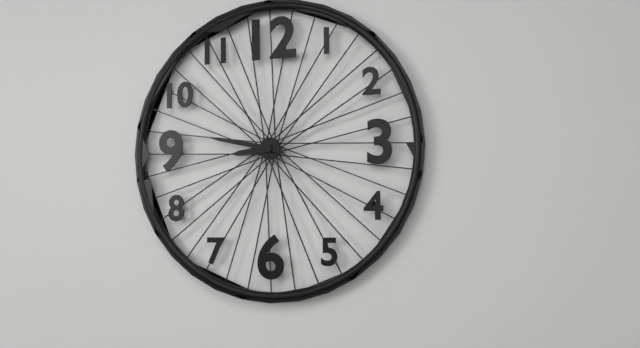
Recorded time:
h=8 m=47
